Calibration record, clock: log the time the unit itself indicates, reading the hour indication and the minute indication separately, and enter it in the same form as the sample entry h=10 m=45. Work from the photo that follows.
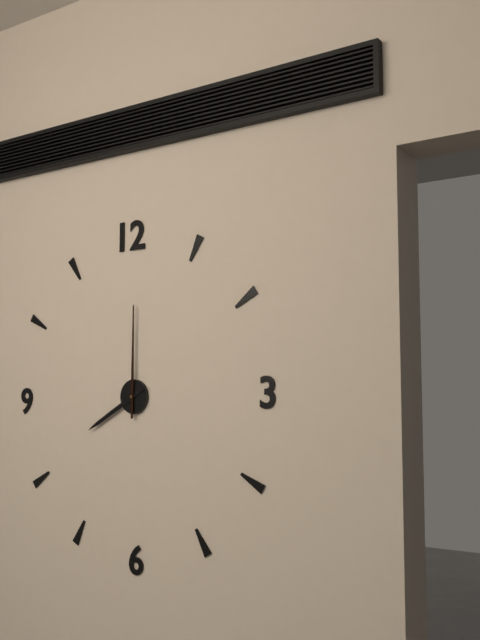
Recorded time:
h=8 m=0
